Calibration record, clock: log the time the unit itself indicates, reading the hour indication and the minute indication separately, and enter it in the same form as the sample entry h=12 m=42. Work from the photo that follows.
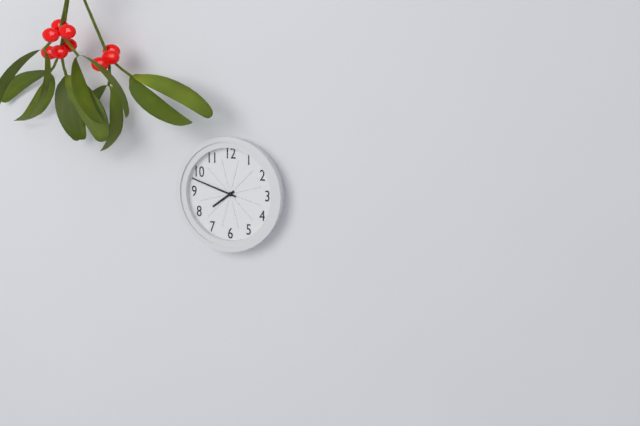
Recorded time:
h=7 m=48
